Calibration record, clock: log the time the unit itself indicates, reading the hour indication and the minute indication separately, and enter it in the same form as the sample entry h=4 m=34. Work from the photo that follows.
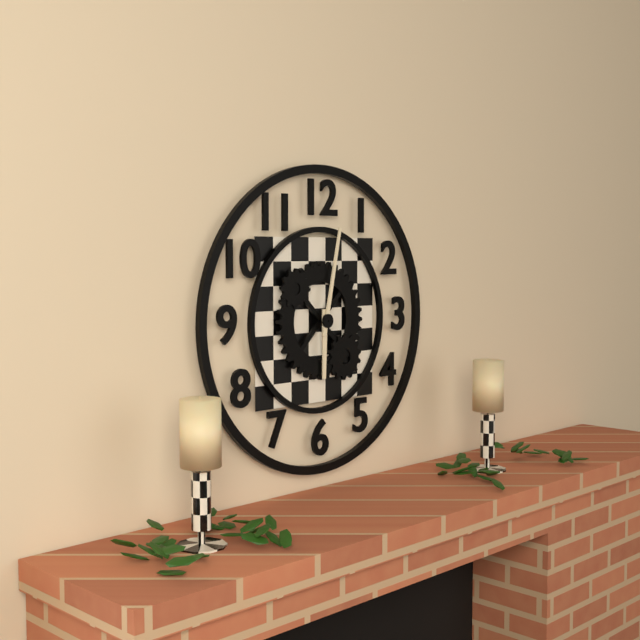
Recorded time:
h=6 m=2
